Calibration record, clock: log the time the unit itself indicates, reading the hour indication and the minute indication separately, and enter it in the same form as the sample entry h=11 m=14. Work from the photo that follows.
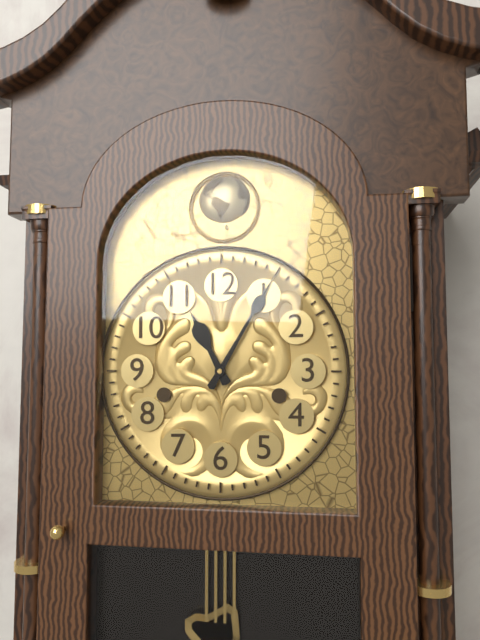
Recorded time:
h=11 m=5
